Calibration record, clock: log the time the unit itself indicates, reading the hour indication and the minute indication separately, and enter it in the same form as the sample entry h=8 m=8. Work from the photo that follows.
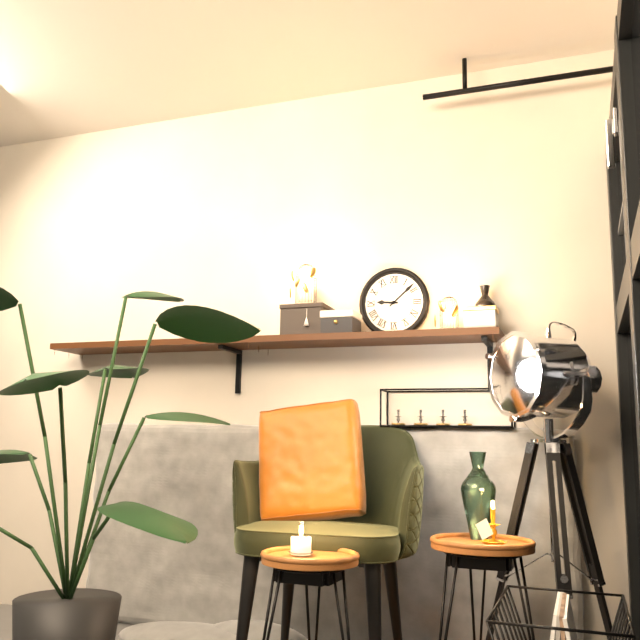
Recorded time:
h=9 m=8
